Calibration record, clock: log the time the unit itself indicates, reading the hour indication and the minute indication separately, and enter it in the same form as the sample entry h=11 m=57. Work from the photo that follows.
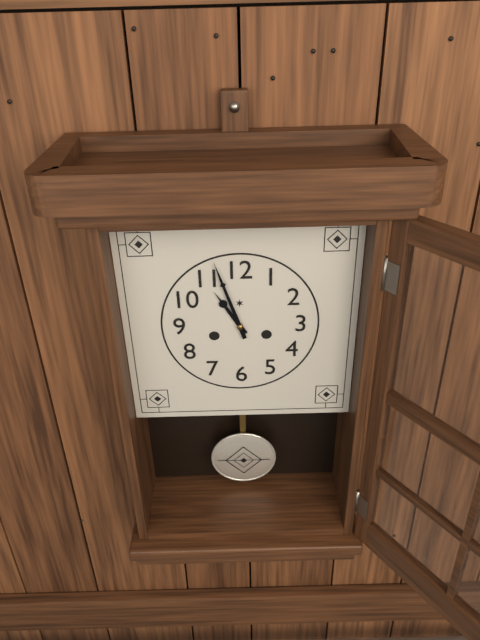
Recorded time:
h=10 m=57
